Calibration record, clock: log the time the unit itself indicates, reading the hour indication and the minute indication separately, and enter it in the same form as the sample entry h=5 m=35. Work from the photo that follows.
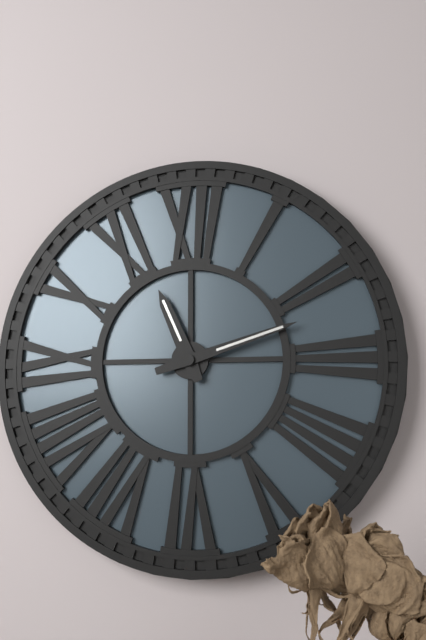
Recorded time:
h=11 m=12
